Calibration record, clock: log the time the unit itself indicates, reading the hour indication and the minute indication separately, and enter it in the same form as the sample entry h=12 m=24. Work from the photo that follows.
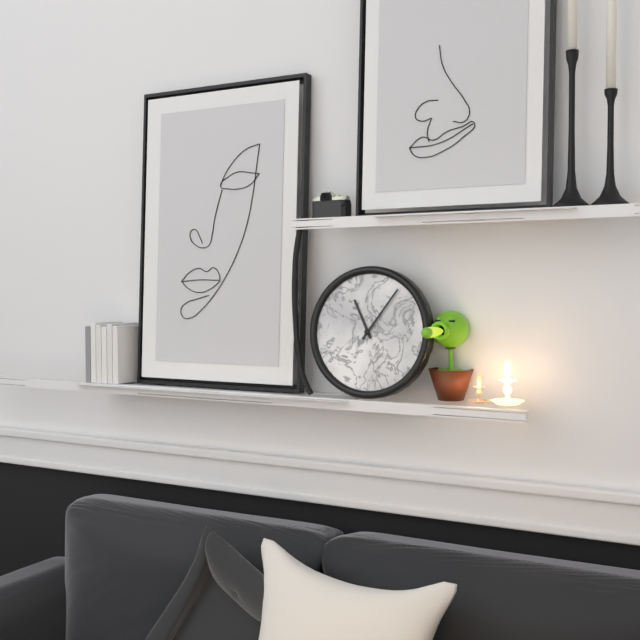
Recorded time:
h=11 m=6
